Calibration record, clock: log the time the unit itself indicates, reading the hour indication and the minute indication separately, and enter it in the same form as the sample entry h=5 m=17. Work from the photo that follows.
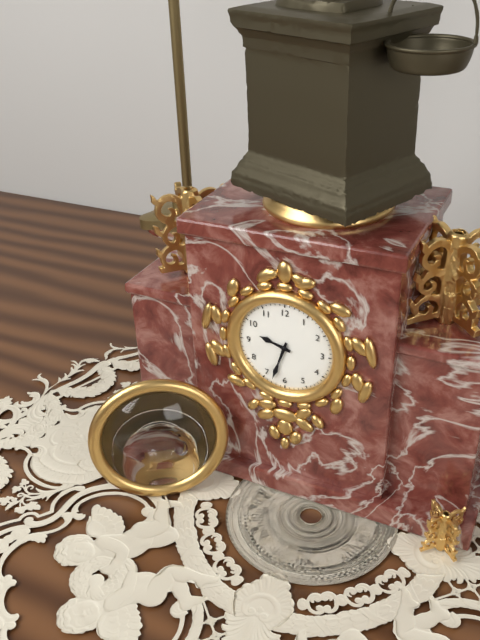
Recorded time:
h=9 m=33
